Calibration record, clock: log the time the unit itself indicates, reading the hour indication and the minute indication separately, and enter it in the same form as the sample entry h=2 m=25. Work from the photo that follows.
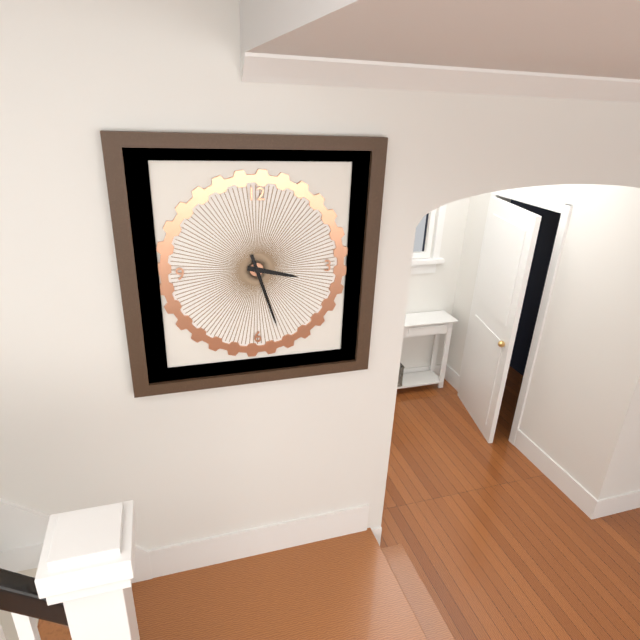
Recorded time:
h=3 m=27
